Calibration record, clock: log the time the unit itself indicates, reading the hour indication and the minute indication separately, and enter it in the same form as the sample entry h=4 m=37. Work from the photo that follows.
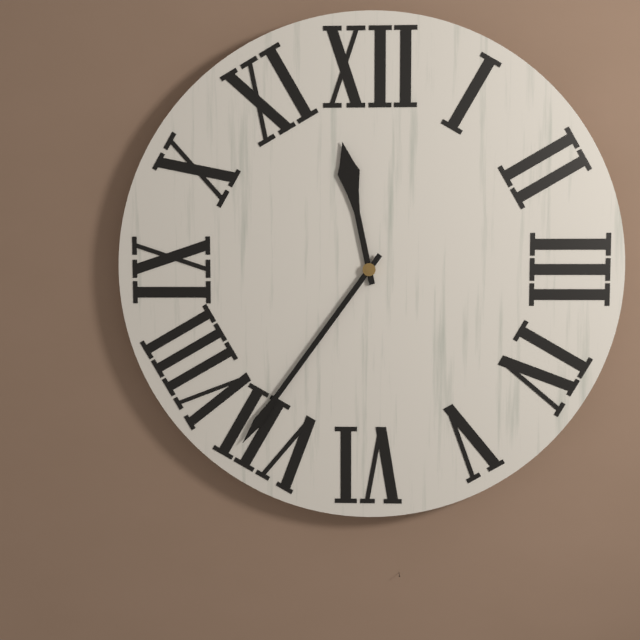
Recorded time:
h=11 m=36
